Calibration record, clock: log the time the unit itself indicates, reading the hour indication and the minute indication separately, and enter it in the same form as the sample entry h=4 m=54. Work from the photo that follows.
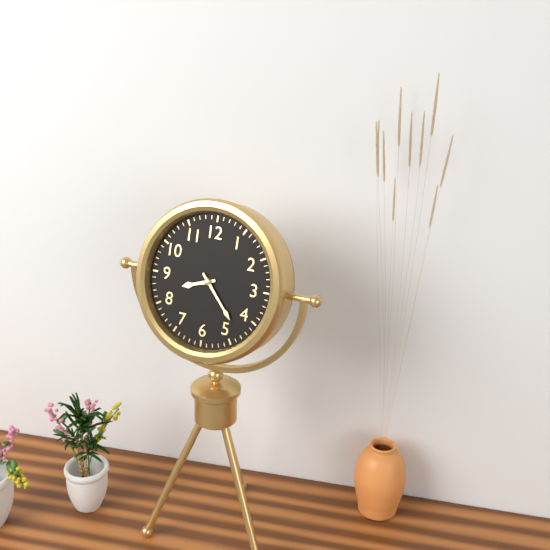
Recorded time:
h=8 m=23
